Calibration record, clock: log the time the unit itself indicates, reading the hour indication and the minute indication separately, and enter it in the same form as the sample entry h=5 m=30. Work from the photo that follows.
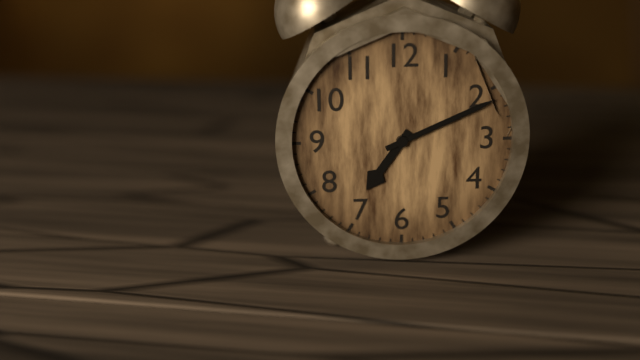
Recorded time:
h=7 m=11
